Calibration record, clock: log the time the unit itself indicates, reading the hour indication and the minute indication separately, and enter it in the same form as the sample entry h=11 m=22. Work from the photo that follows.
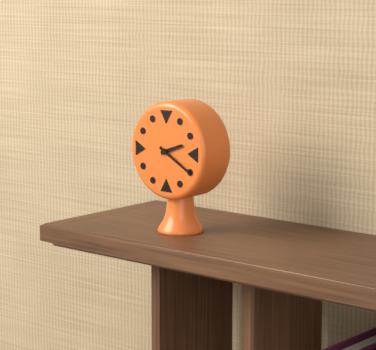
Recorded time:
h=2 m=20
